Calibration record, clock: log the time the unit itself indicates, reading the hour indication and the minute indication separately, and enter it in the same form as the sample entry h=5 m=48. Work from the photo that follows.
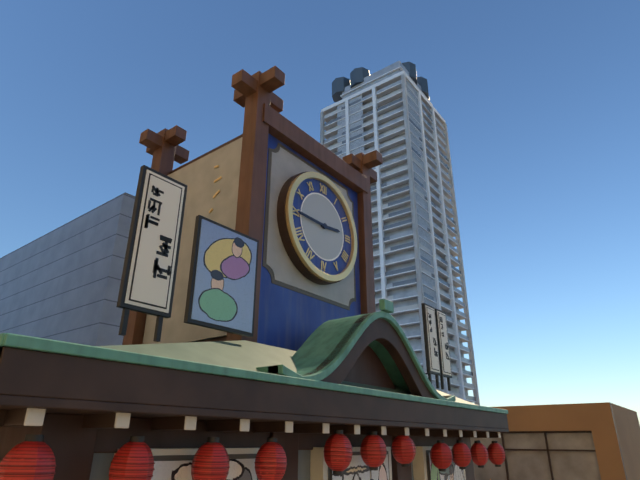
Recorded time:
h=2 m=45
